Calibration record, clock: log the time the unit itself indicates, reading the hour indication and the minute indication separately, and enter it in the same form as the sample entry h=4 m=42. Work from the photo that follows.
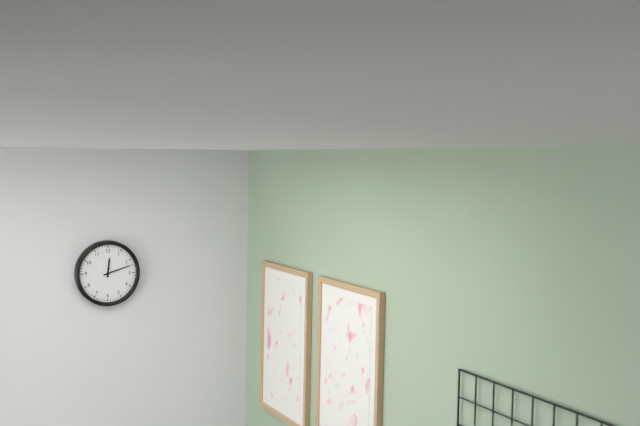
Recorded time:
h=12 m=12
